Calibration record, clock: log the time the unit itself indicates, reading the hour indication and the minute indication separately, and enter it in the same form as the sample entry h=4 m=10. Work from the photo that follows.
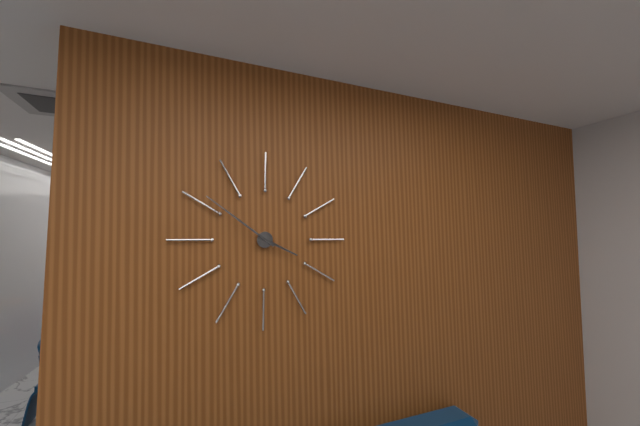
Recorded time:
h=3 m=51
